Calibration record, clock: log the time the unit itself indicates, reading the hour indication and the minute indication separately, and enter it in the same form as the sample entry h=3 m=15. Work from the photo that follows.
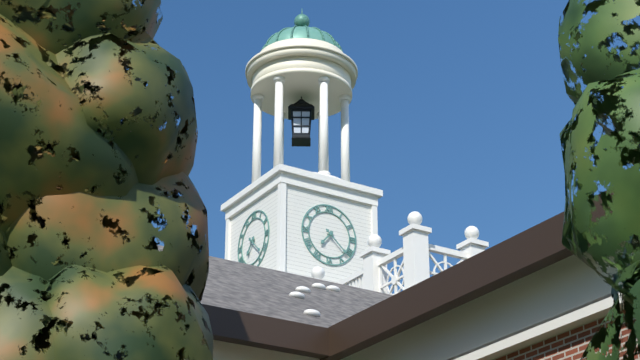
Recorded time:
h=7 m=22
